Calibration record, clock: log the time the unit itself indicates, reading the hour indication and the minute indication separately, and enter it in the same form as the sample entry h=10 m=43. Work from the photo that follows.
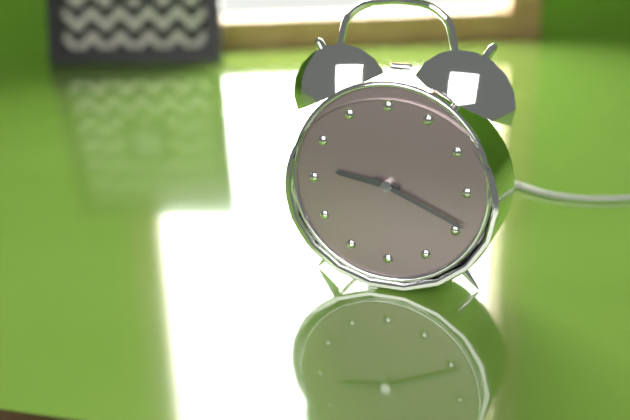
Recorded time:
h=9 m=19
